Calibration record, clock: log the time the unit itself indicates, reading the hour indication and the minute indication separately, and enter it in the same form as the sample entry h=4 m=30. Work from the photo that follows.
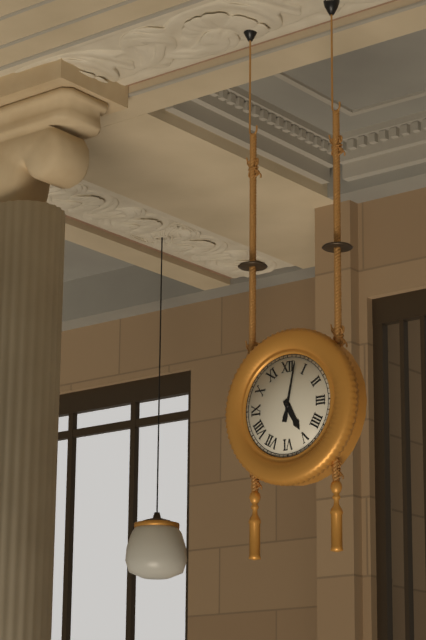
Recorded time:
h=5 m=2
